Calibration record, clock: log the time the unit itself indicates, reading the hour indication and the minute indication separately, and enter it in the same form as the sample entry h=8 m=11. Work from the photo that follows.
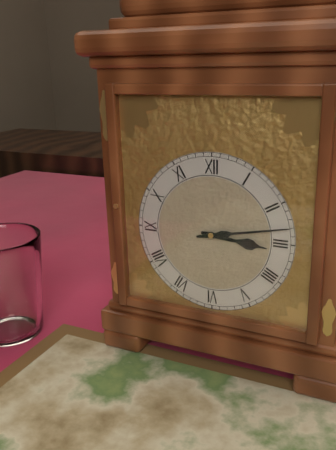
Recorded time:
h=3 m=13
